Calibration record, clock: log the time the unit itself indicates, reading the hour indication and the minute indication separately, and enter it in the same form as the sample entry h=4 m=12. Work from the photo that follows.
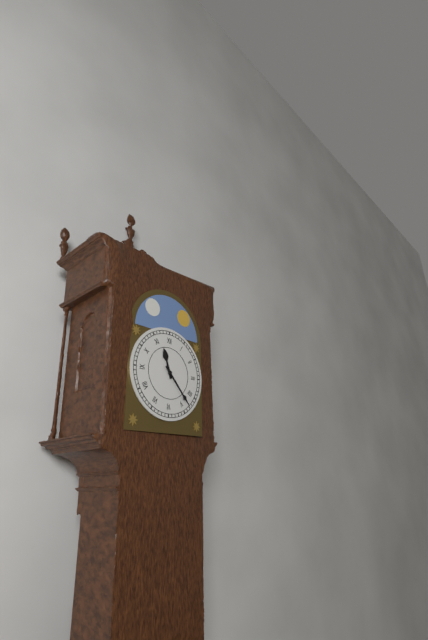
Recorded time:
h=11 m=23
